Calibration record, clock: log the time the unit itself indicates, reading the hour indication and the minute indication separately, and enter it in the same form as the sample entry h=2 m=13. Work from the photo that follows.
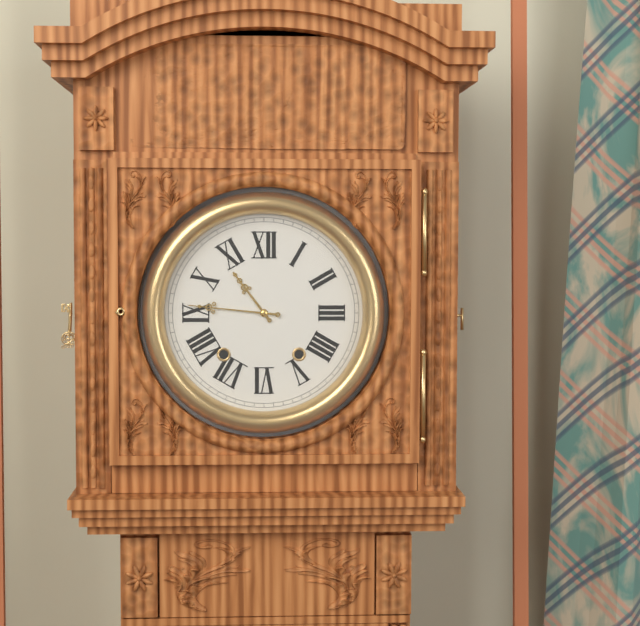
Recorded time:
h=10 m=46
